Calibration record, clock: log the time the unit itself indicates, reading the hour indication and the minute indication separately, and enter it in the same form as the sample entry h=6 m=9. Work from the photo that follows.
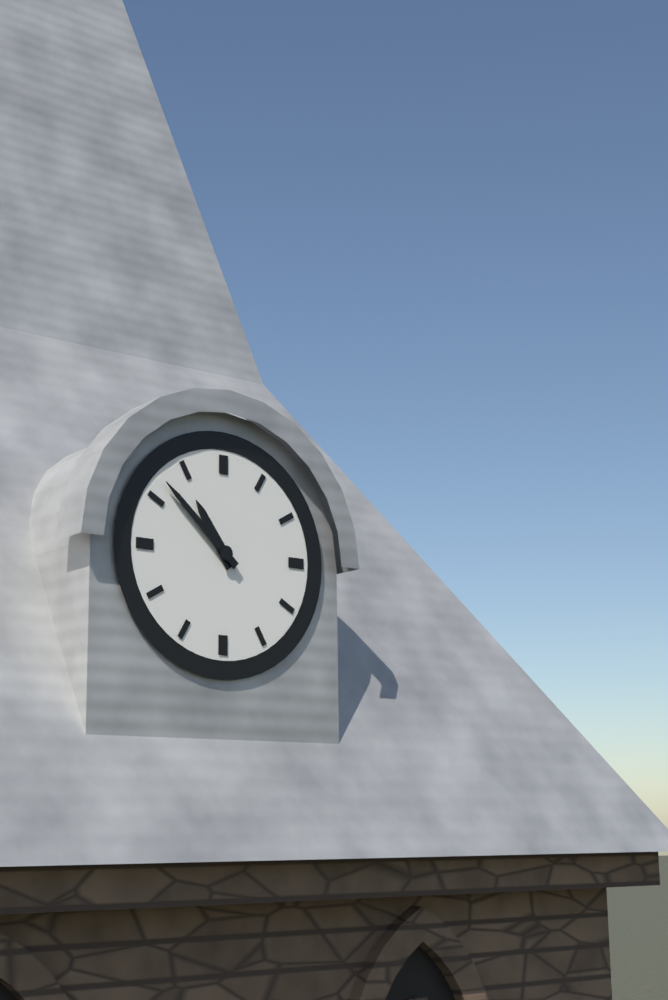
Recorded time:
h=10 m=52
